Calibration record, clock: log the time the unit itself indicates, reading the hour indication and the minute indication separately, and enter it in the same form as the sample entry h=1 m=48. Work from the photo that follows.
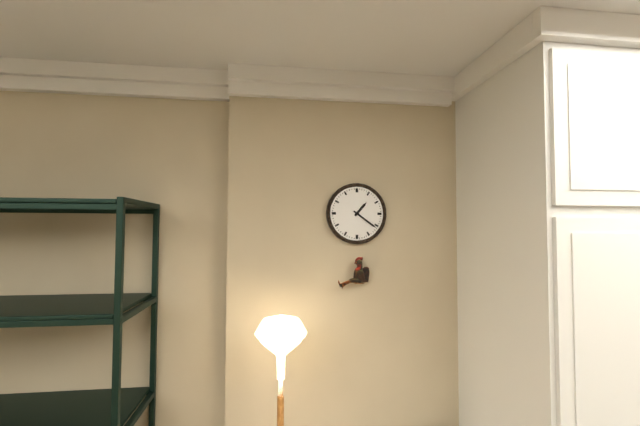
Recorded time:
h=1 m=21
